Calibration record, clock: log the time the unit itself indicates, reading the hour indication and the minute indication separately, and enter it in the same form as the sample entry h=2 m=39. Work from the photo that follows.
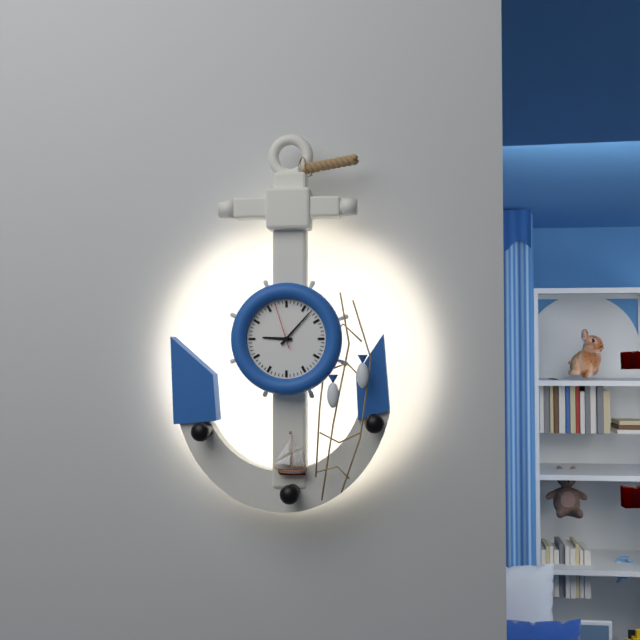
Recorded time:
h=9 m=7
